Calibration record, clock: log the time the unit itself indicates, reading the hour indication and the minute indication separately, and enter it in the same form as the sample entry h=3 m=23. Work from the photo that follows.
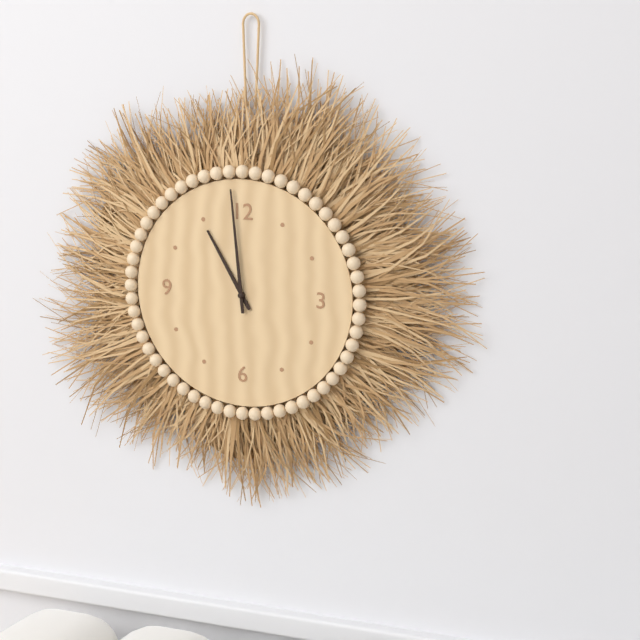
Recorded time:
h=10 m=59
